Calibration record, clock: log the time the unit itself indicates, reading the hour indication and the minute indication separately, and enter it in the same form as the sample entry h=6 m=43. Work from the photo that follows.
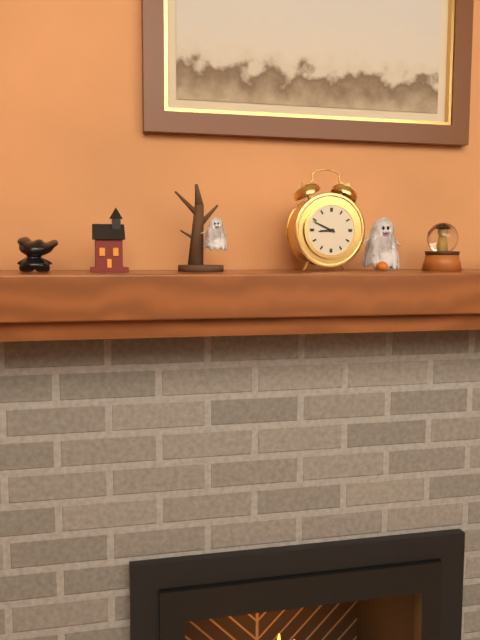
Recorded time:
h=8 m=49
